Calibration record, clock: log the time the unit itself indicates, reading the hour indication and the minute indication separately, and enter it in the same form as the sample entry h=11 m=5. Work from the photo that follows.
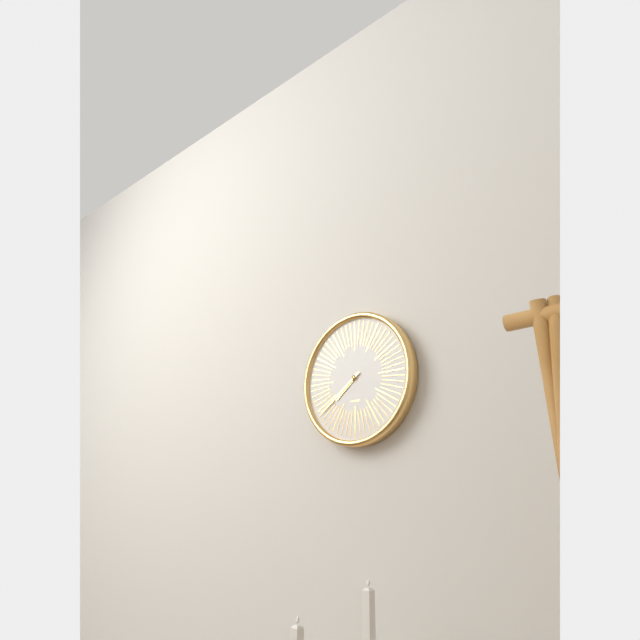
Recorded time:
h=7 m=39
